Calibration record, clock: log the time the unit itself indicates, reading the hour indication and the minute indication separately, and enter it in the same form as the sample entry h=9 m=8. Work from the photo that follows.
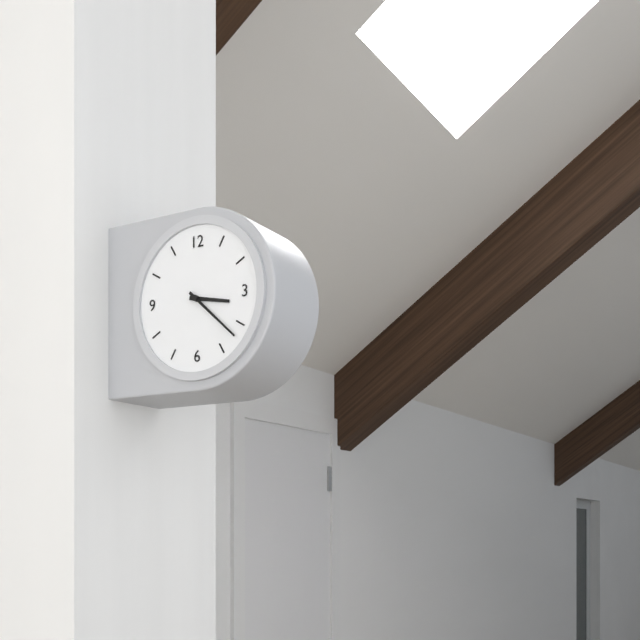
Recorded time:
h=3 m=22
